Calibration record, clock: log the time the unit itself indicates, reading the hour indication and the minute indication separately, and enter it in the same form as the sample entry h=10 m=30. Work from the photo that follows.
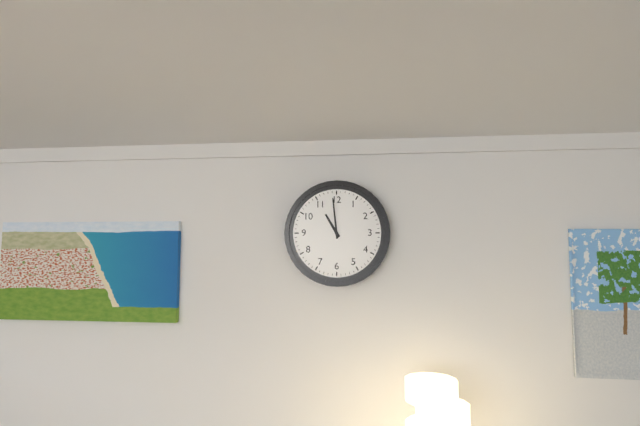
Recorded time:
h=10 m=59
